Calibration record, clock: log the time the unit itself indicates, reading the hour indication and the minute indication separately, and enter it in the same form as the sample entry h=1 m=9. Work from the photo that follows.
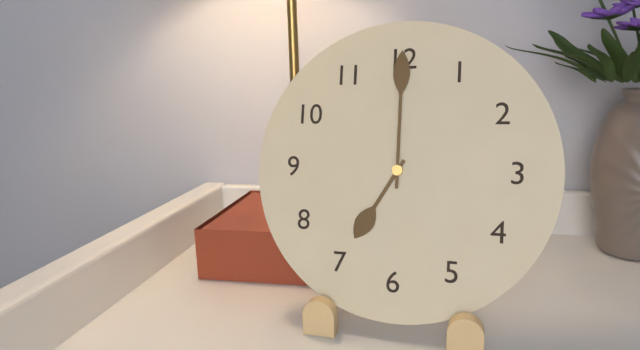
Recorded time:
h=7 m=0
